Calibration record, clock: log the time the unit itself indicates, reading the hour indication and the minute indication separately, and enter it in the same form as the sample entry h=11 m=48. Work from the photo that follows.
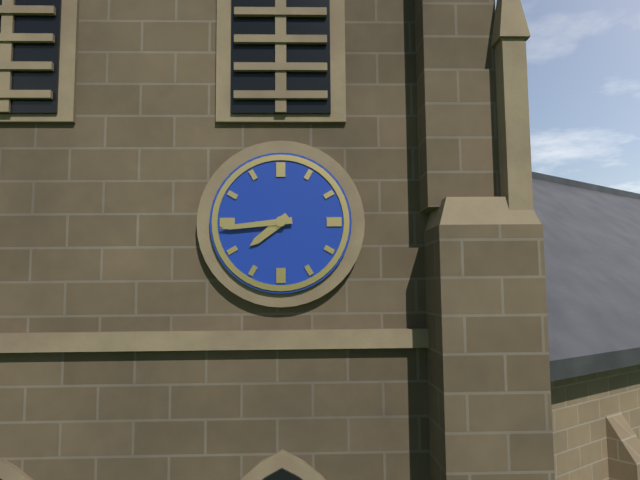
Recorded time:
h=7 m=44
